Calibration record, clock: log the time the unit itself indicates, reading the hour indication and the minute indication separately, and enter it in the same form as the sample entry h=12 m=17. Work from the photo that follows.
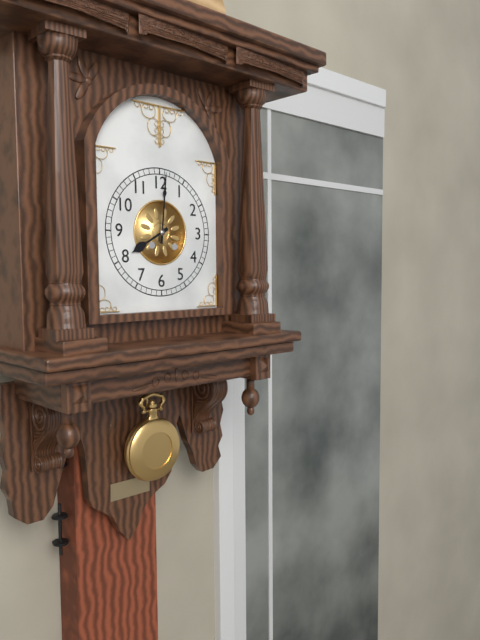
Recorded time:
h=8 m=1
